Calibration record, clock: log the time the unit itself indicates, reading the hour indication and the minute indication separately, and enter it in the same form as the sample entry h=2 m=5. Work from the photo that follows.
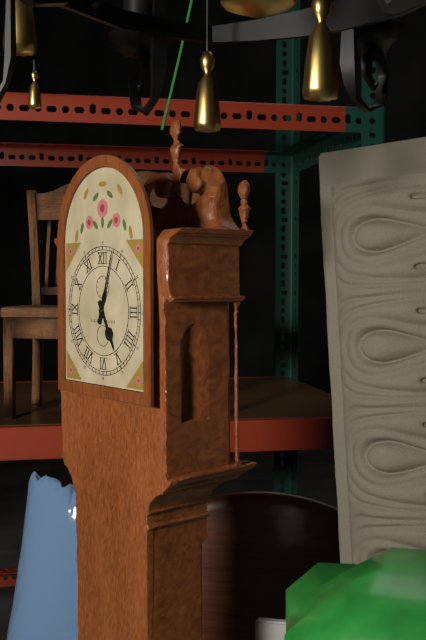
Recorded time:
h=5 m=3
